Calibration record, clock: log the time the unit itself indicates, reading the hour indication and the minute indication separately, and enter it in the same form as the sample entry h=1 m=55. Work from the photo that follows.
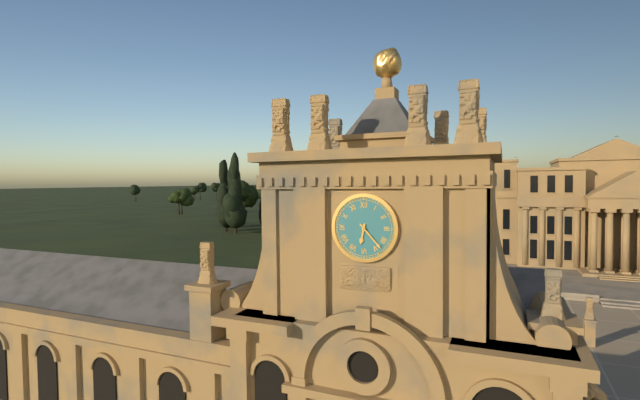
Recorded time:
h=6 m=23
